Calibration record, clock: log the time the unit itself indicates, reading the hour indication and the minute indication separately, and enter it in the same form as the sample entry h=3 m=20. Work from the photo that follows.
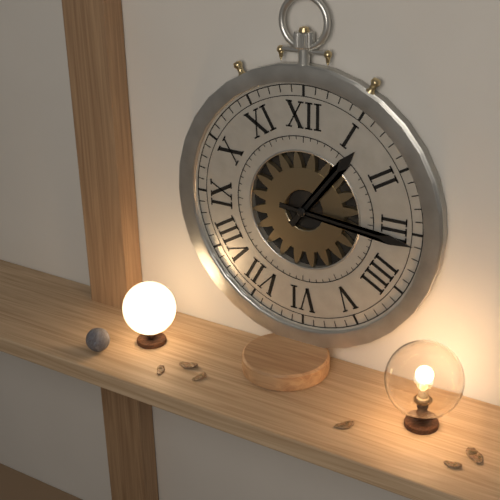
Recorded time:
h=1 m=16
